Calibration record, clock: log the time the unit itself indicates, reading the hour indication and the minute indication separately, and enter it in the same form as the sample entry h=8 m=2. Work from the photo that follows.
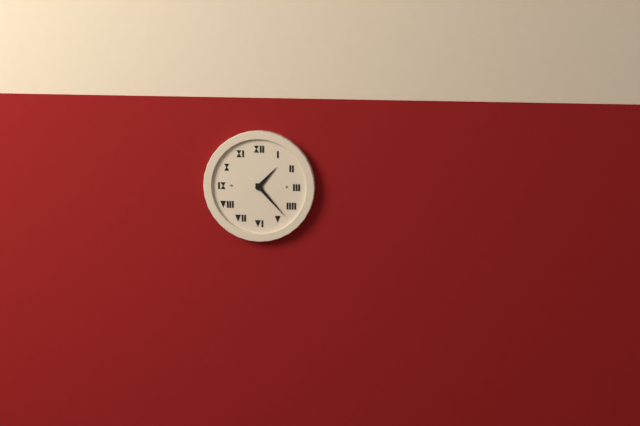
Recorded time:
h=1 m=23
